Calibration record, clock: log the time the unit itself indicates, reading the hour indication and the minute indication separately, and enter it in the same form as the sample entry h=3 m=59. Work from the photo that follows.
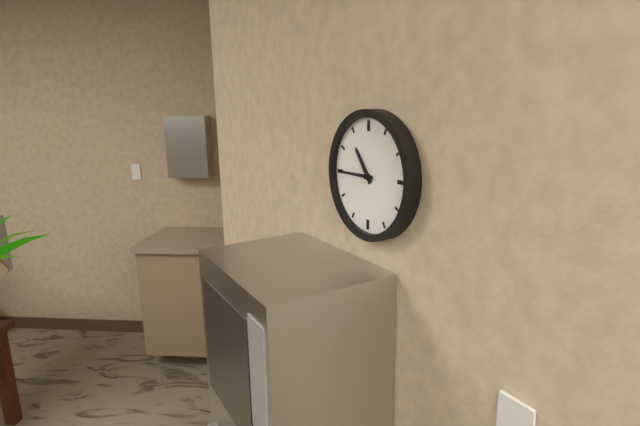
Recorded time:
h=10 m=45
